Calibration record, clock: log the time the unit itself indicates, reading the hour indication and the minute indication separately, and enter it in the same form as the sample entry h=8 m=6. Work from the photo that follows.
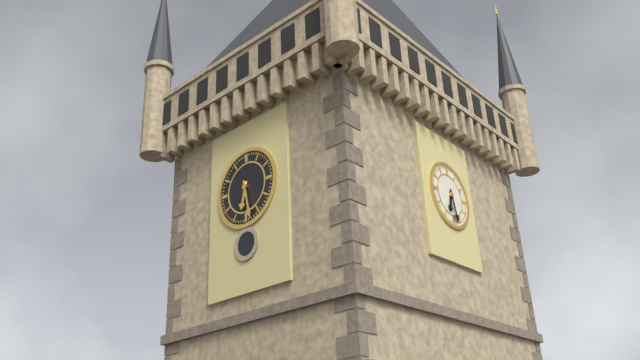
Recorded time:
h=6 m=28
